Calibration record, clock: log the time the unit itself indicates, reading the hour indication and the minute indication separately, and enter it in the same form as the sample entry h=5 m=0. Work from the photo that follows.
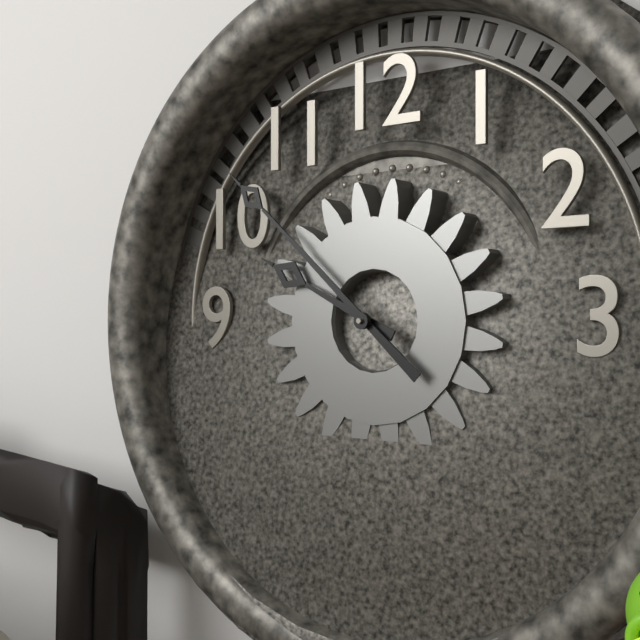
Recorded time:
h=9 m=52
